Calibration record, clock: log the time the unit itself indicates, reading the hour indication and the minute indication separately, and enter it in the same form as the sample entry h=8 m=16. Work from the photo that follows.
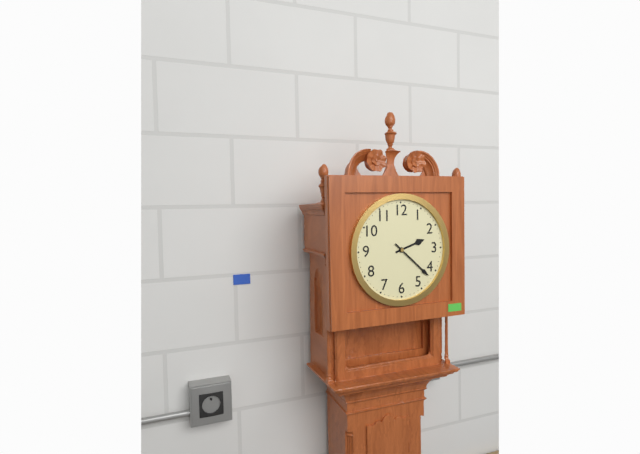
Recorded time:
h=2 m=22
